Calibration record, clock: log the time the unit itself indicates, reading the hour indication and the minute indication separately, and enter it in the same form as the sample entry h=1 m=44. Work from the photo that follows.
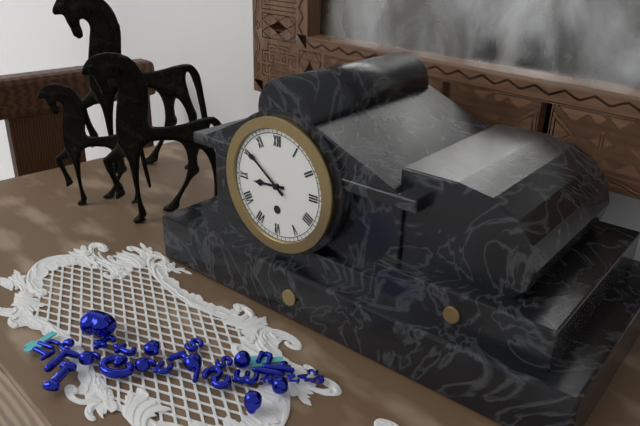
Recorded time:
h=8 m=51
